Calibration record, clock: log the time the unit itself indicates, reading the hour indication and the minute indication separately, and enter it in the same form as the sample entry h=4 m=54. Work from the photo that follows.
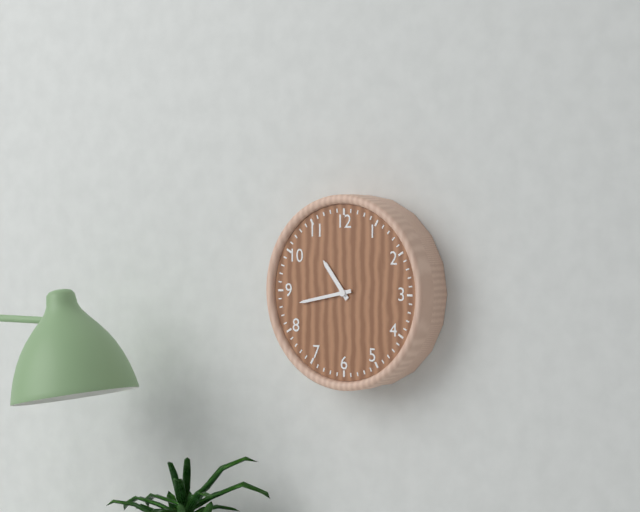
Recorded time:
h=10 m=43
